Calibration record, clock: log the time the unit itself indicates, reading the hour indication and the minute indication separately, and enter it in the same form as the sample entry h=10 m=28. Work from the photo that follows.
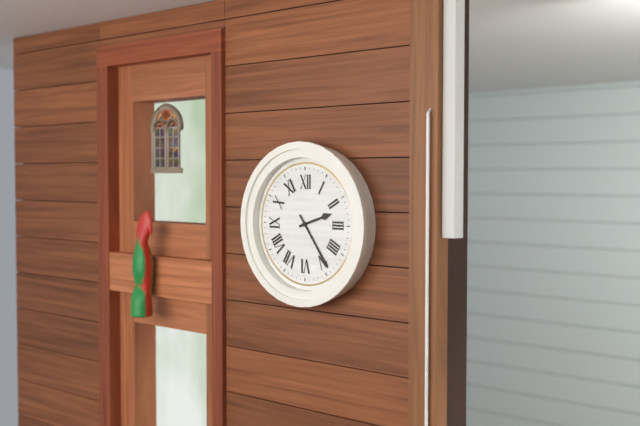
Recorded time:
h=2 m=24
